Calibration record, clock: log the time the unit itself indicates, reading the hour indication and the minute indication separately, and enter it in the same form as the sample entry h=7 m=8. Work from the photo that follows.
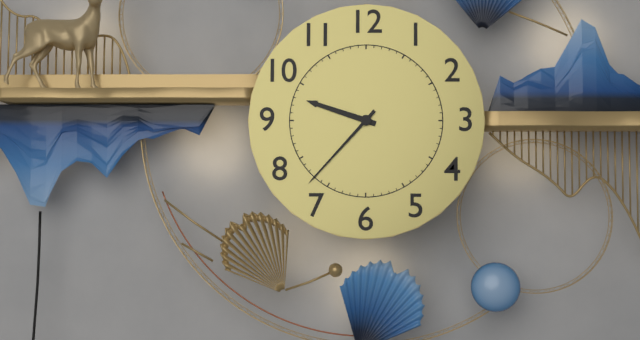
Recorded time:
h=9 m=37
